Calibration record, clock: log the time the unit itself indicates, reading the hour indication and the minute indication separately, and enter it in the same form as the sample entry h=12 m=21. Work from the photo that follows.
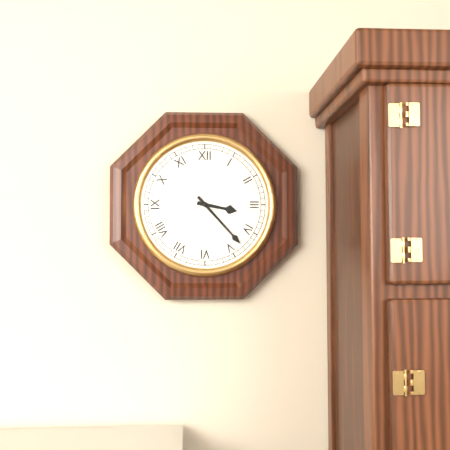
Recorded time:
h=3 m=23
